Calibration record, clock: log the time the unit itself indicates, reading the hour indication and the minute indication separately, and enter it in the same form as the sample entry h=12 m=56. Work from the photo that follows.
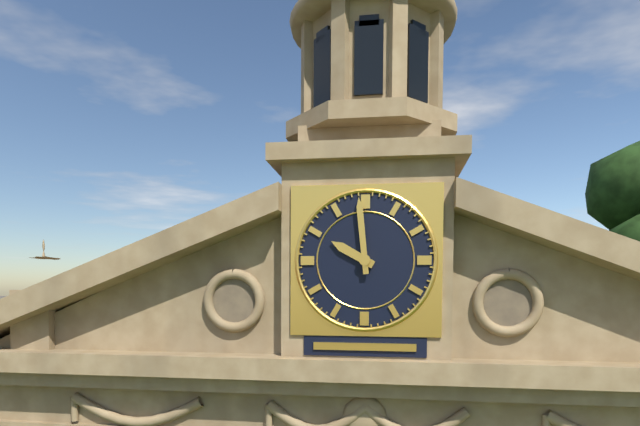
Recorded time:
h=9 m=59
